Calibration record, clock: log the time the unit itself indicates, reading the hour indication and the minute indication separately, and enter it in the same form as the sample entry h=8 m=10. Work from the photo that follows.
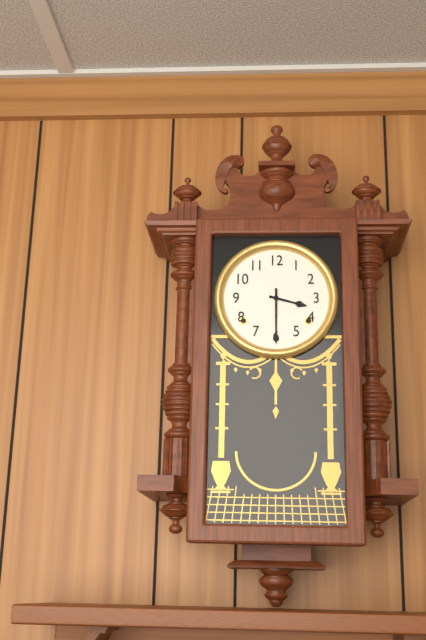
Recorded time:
h=3 m=30
